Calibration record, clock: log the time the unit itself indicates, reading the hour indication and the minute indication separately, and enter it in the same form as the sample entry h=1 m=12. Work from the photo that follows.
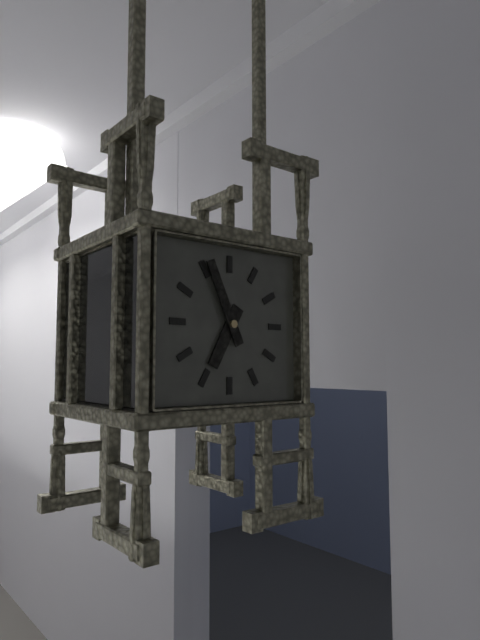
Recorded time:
h=6 m=56
